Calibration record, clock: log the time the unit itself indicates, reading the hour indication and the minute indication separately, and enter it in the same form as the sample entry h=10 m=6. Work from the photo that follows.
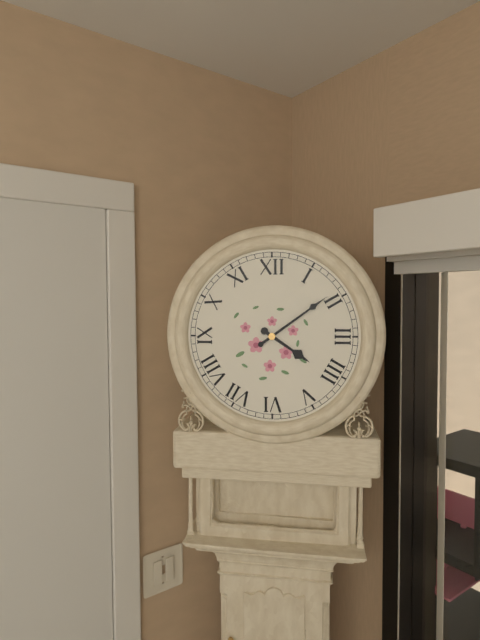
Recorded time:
h=4 m=9
